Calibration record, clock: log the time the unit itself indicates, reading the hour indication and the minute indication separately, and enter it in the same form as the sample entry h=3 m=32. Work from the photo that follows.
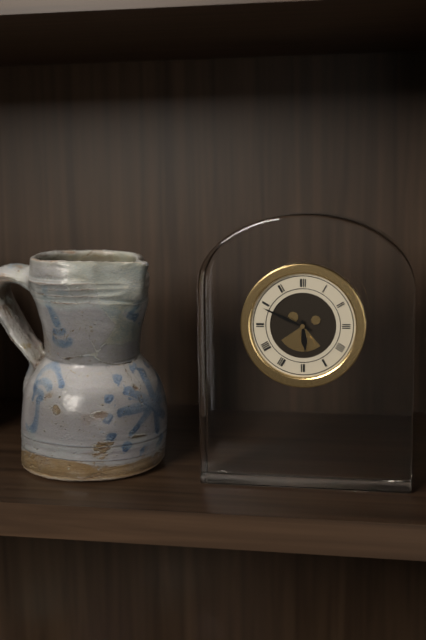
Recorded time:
h=5 m=49
